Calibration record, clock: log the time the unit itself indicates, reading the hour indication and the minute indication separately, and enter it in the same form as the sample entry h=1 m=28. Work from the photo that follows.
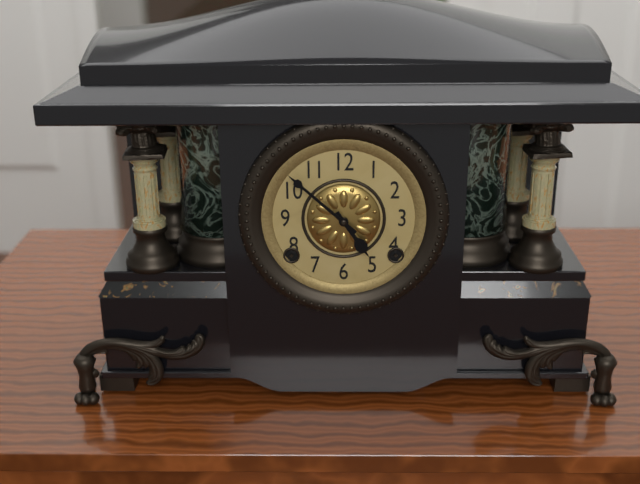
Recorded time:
h=4 m=52
